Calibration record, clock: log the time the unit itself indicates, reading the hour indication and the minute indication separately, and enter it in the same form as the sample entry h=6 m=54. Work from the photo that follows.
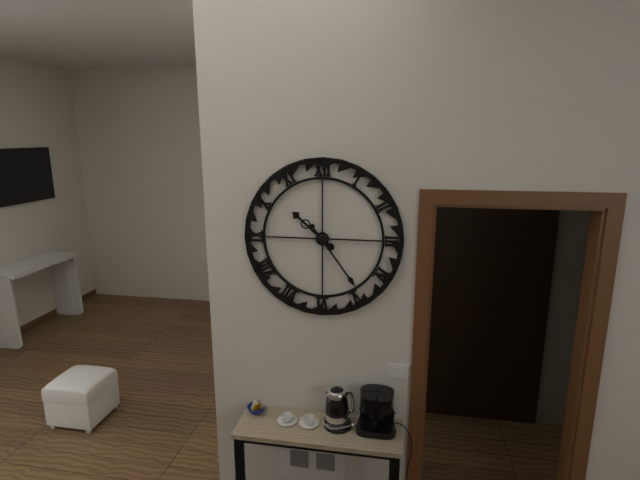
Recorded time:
h=10 m=24
